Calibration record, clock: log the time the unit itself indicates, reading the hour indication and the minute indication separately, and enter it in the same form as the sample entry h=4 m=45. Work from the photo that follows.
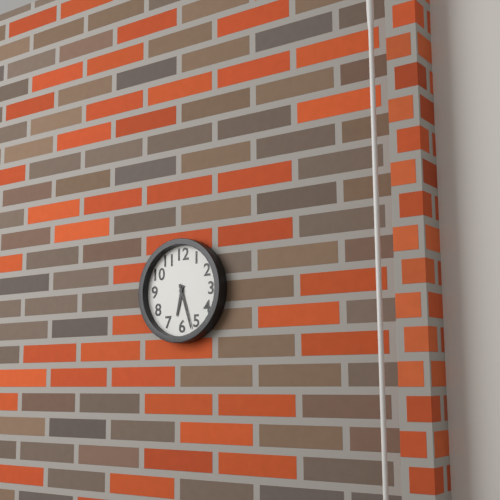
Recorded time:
h=6 m=27
